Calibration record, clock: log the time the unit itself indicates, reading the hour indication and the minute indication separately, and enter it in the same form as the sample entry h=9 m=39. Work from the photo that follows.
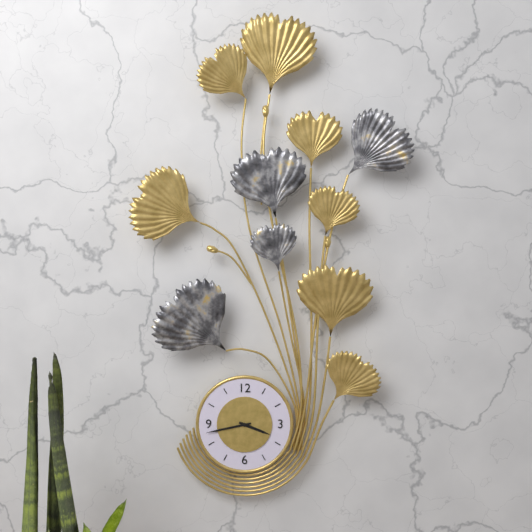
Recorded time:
h=3 m=43
